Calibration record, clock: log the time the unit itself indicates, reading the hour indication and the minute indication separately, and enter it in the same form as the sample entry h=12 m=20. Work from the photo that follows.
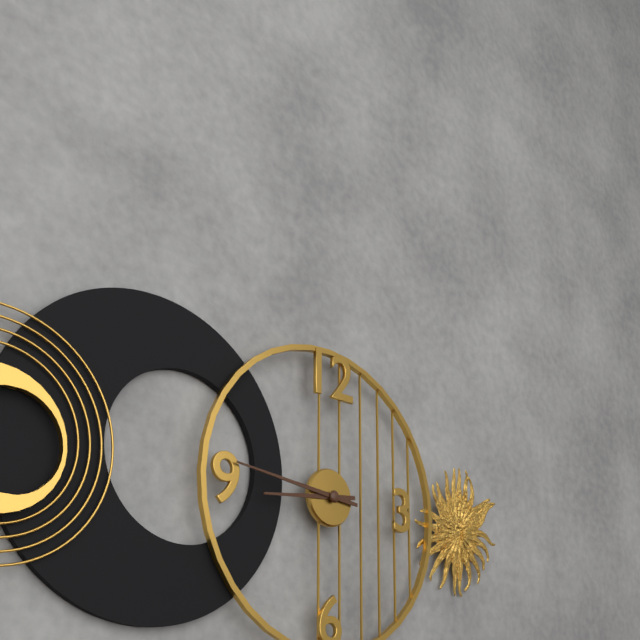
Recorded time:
h=8 m=46
